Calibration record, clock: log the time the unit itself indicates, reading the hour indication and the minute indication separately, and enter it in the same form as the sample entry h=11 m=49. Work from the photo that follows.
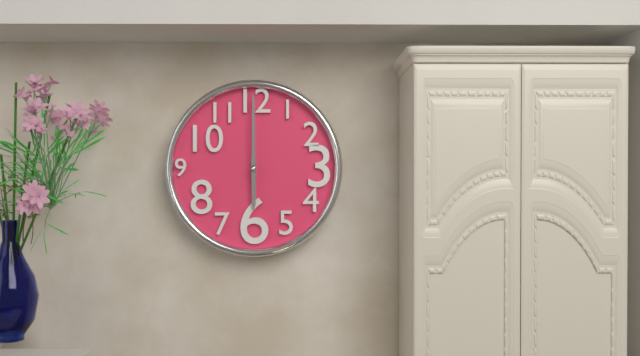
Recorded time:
h=6 m=0
